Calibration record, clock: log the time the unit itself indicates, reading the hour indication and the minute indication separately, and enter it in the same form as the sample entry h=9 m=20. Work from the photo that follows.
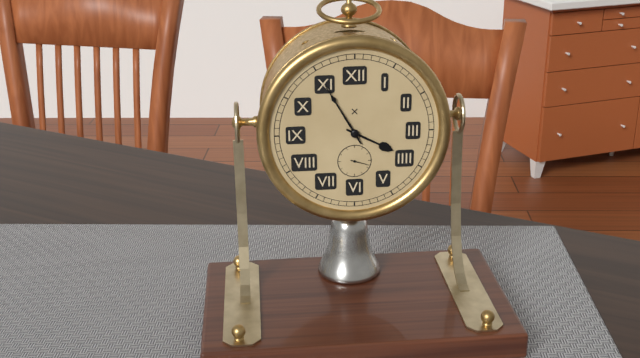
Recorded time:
h=3 m=55
